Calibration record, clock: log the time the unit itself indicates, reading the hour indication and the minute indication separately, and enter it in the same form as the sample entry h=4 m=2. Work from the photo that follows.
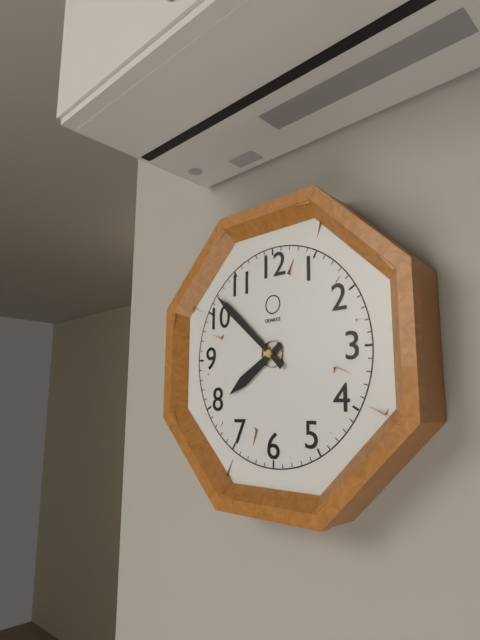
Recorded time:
h=7 m=52
